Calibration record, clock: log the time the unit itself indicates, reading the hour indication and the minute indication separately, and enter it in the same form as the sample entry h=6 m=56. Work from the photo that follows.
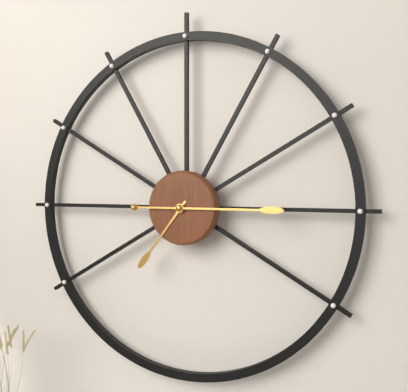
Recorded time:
h=7 m=15
